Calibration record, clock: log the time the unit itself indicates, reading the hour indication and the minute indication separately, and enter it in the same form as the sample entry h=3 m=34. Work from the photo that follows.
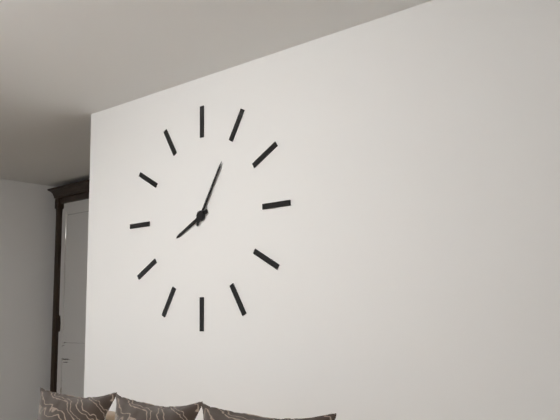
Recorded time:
h=8 m=5
